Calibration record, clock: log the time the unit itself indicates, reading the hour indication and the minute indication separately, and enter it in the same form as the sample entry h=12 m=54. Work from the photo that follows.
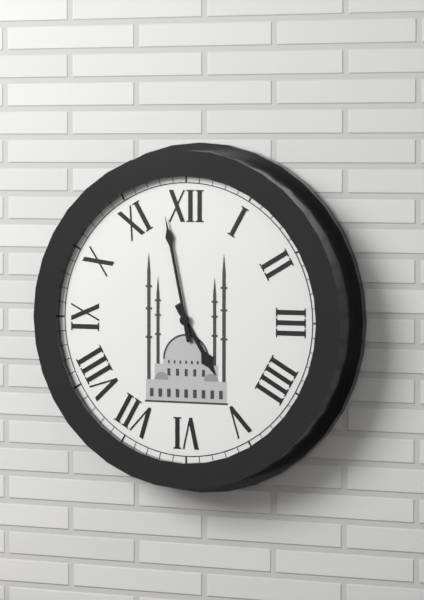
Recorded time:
h=4 m=58
